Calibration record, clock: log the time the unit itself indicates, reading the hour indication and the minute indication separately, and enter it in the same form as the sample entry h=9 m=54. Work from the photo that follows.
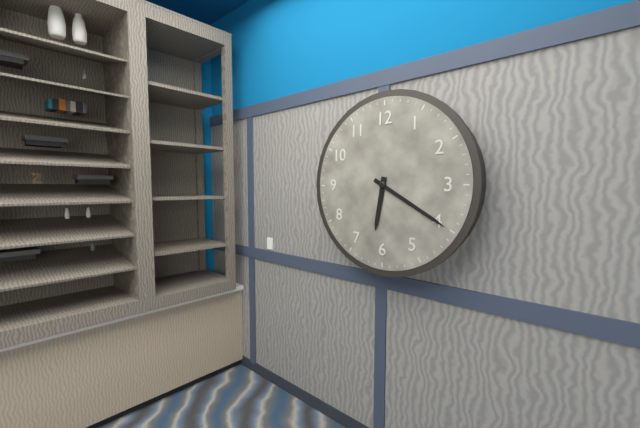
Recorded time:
h=6 m=20
